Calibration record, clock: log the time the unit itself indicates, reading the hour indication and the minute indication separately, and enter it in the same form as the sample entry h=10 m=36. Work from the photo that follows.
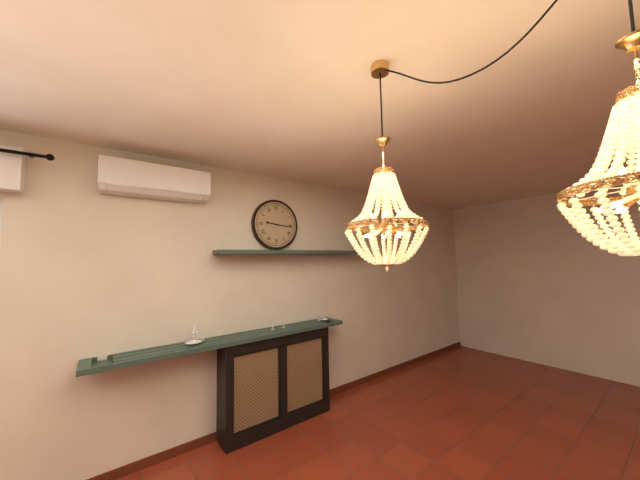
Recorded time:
h=9 m=16
